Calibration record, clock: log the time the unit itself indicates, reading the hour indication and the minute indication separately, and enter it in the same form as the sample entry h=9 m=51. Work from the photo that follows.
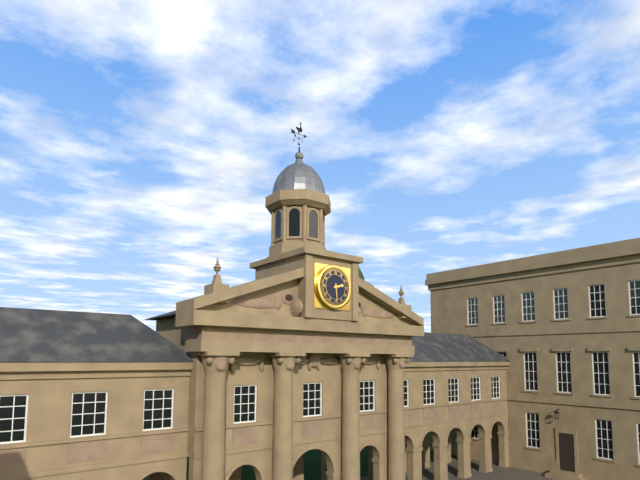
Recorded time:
h=2 m=29
